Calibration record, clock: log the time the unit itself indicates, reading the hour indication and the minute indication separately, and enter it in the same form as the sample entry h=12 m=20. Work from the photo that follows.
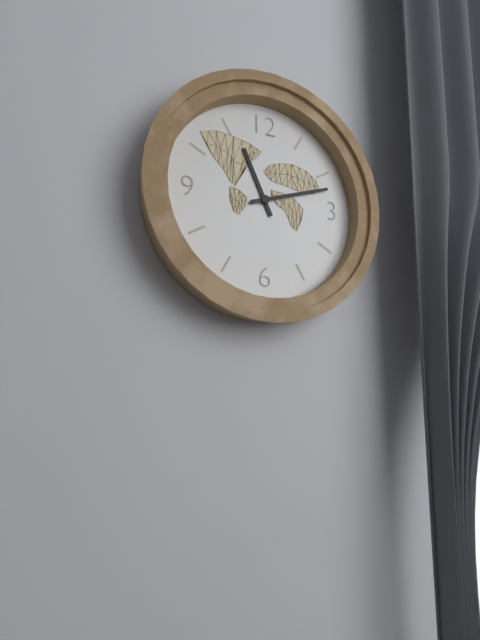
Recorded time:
h=11 m=12
